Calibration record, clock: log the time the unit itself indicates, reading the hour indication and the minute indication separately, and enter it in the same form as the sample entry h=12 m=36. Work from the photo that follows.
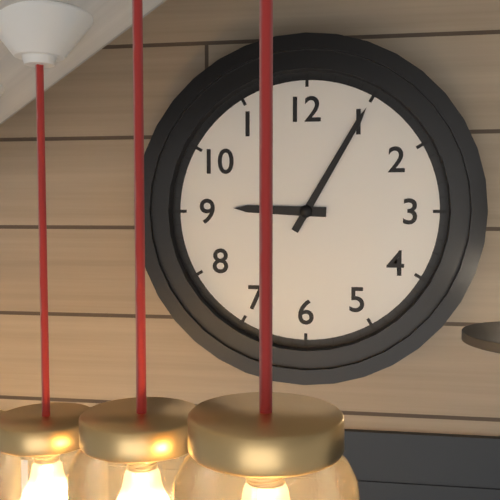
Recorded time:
h=9 m=5
